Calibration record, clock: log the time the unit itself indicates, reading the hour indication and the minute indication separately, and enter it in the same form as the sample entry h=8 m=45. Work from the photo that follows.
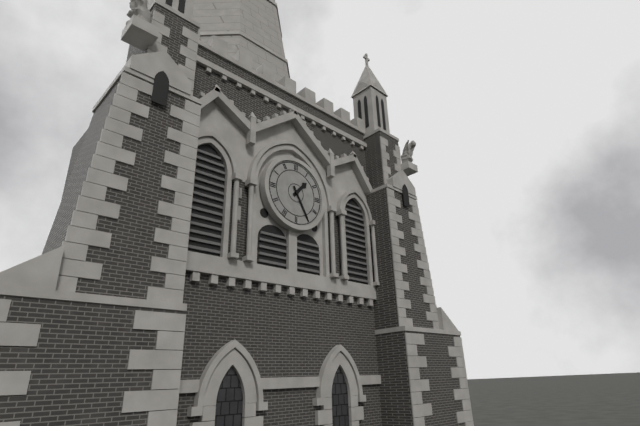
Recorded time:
h=1 m=25
